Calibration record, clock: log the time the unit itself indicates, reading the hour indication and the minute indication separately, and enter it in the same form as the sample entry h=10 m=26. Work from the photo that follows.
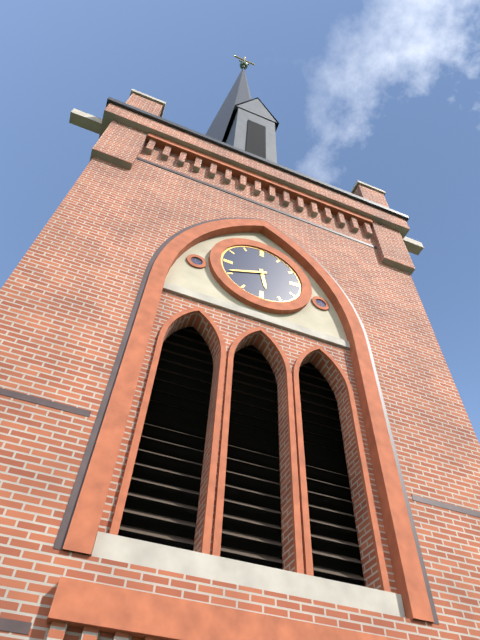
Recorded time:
h=5 m=41
